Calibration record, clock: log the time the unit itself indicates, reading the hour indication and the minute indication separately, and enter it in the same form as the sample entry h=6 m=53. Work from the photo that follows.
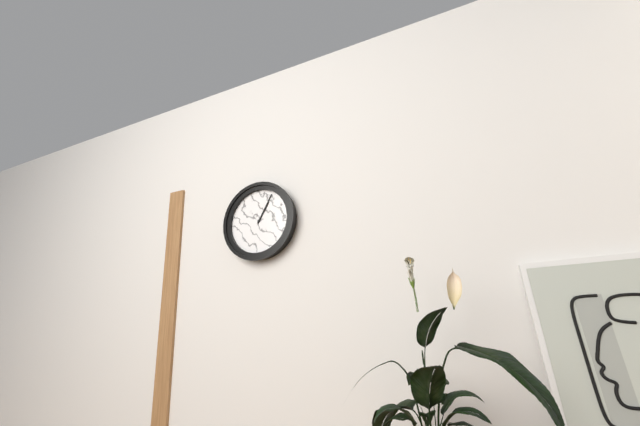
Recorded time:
h=1 m=5
